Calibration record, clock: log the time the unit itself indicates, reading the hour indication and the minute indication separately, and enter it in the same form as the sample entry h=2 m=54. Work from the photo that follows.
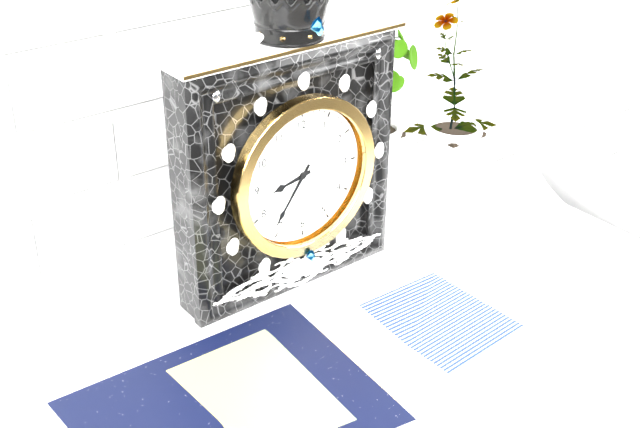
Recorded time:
h=8 m=36
